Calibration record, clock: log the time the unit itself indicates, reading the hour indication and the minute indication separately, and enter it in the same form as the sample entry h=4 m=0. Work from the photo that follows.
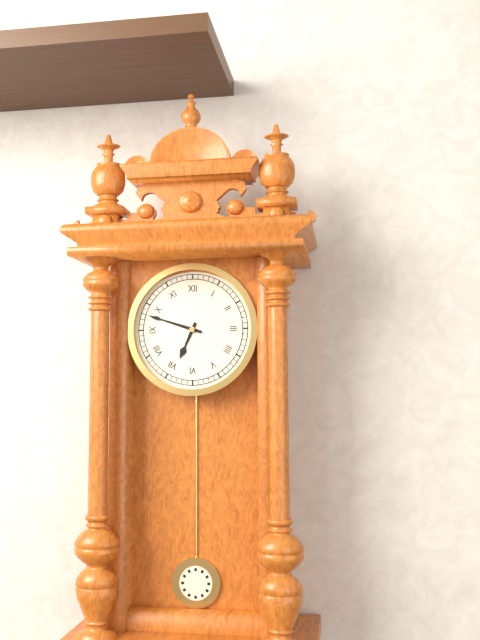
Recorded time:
h=6 m=48
